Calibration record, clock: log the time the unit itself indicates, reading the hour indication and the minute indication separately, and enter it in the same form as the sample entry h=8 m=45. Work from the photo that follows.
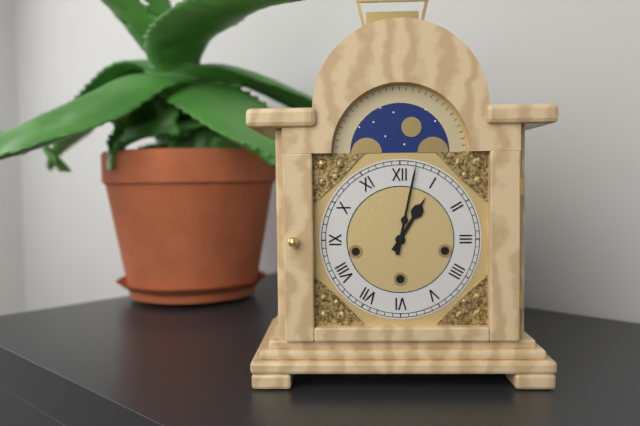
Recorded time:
h=1 m=2
